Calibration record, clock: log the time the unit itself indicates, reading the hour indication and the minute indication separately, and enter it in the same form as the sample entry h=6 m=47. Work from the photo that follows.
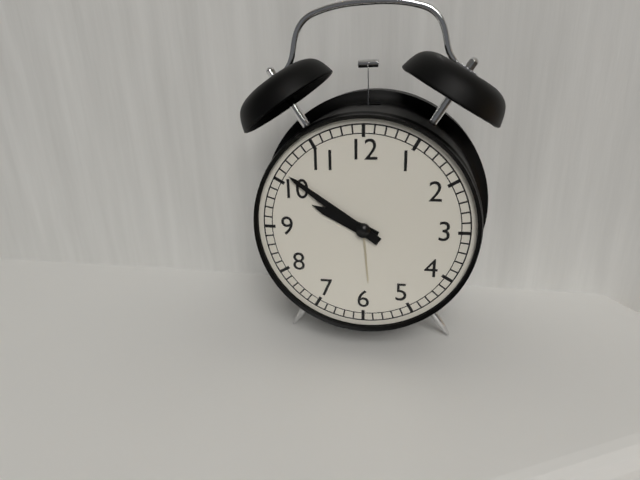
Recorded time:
h=9 m=51
